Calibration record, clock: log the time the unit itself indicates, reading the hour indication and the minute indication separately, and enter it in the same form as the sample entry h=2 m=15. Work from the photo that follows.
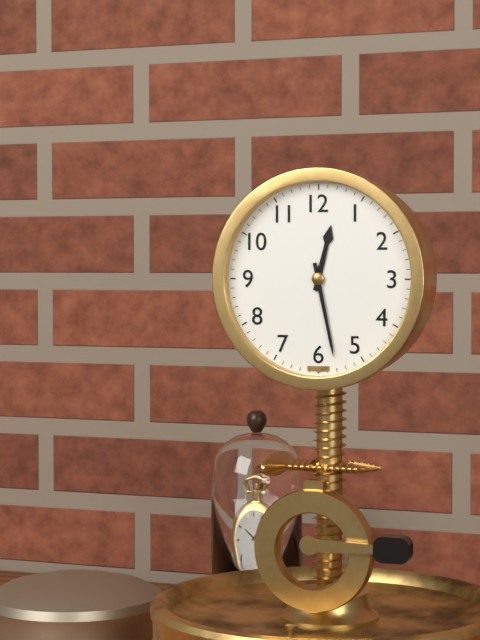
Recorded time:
h=12 m=28
